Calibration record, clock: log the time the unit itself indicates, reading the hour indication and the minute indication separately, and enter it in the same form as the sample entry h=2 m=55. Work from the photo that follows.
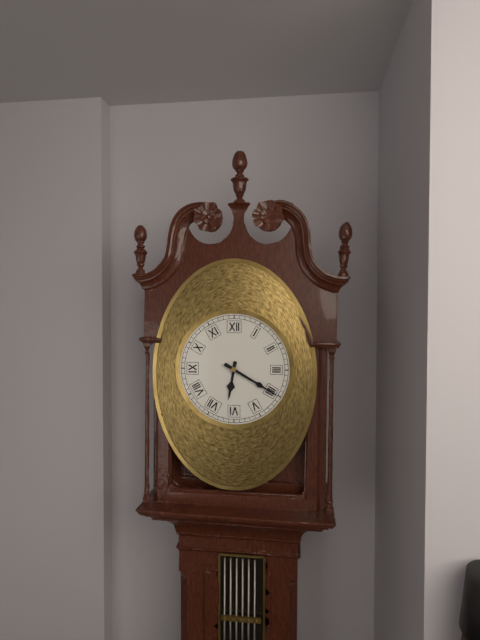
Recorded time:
h=6 m=20
